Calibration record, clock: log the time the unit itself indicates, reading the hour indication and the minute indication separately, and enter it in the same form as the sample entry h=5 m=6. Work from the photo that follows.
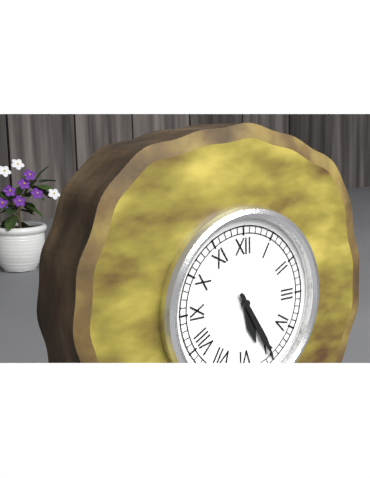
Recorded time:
h=5 m=25
